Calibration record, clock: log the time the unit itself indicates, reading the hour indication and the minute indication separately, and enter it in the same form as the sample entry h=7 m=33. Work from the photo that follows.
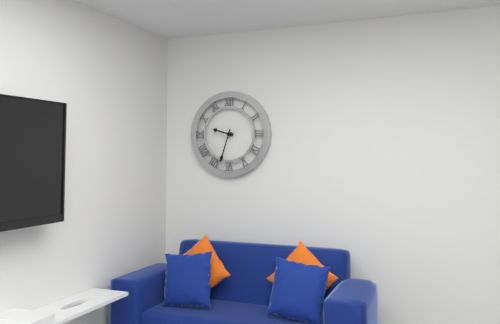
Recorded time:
h=9 m=33
